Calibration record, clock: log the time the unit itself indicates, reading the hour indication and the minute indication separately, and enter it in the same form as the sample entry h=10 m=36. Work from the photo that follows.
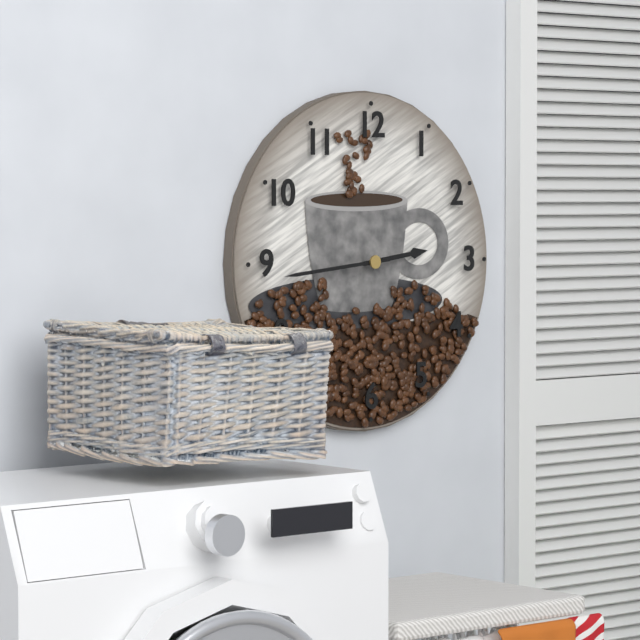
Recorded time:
h=2 m=44
